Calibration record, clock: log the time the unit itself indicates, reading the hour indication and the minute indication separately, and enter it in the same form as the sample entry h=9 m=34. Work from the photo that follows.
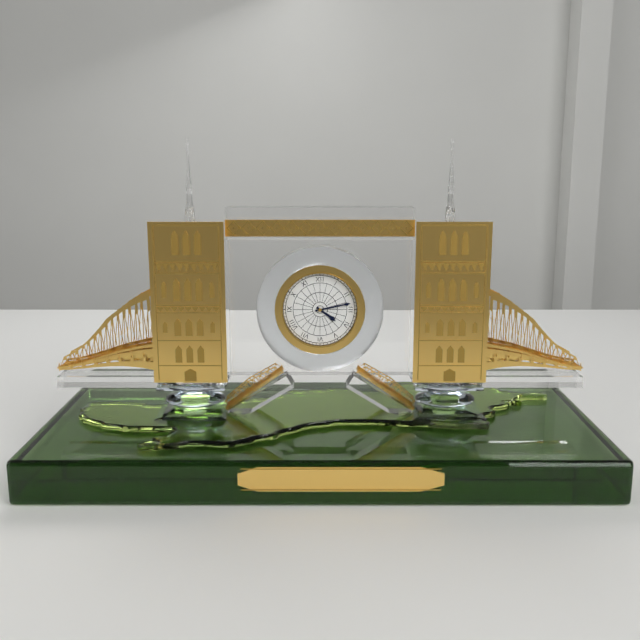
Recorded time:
h=4 m=13
